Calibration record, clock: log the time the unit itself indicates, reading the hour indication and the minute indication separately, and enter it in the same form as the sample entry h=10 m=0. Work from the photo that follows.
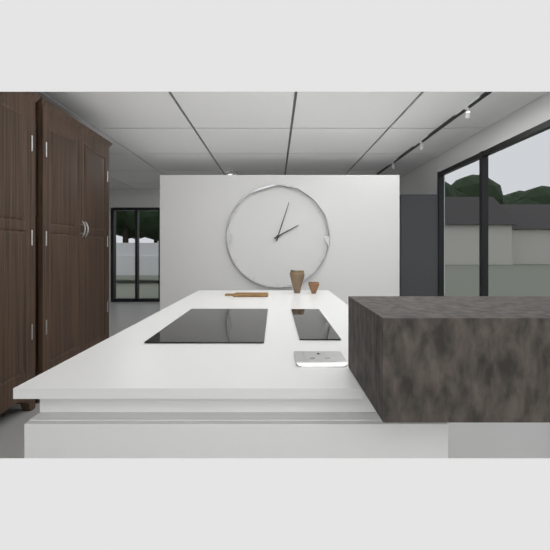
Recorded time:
h=2 m=3
